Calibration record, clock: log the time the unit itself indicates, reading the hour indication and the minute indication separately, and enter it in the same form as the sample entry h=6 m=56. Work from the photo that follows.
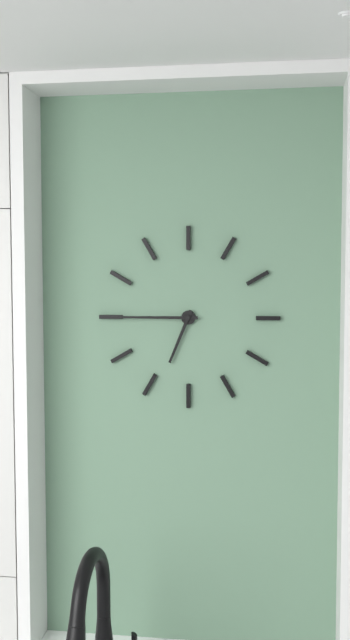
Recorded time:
h=6 m=45
